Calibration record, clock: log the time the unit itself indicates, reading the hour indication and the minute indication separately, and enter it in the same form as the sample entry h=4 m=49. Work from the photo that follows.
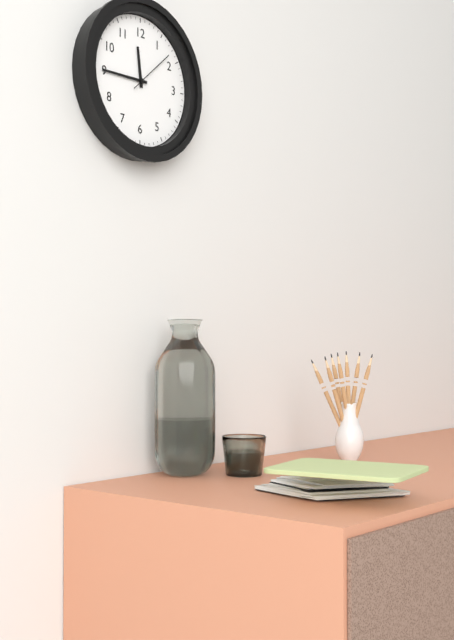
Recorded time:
h=11 m=45
